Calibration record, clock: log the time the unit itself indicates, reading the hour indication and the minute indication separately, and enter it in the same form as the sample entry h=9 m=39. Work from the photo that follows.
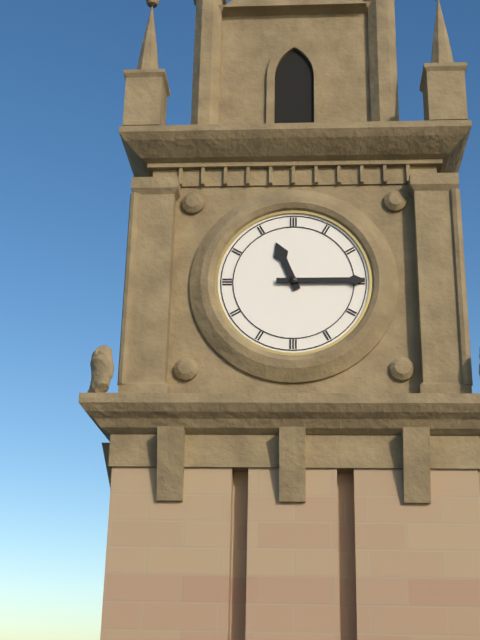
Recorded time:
h=11 m=15
